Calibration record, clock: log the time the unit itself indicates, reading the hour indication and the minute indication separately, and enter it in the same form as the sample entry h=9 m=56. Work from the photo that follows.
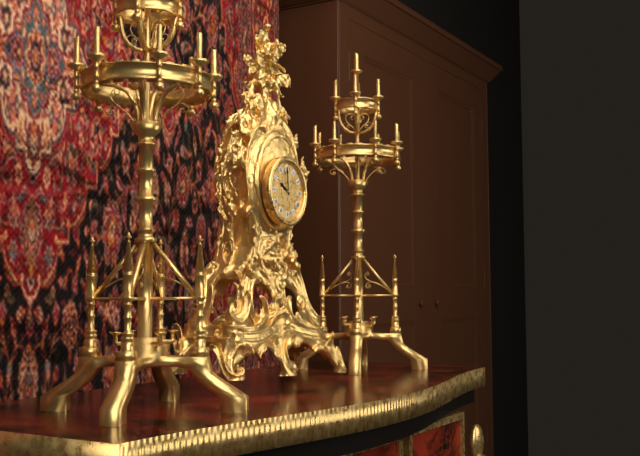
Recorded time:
h=9 m=59
